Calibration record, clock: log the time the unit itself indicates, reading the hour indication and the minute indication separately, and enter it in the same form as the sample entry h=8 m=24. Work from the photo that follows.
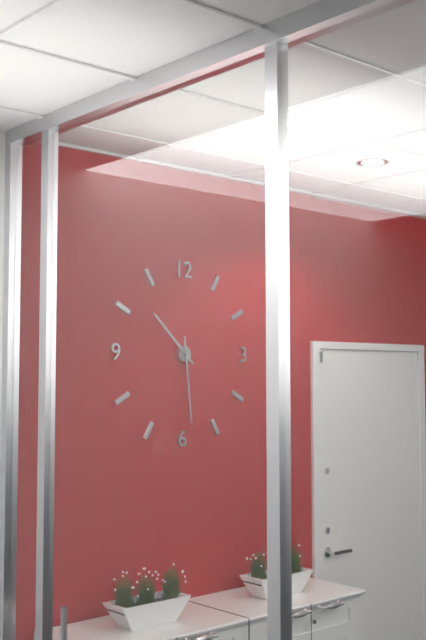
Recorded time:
h=10 m=29
